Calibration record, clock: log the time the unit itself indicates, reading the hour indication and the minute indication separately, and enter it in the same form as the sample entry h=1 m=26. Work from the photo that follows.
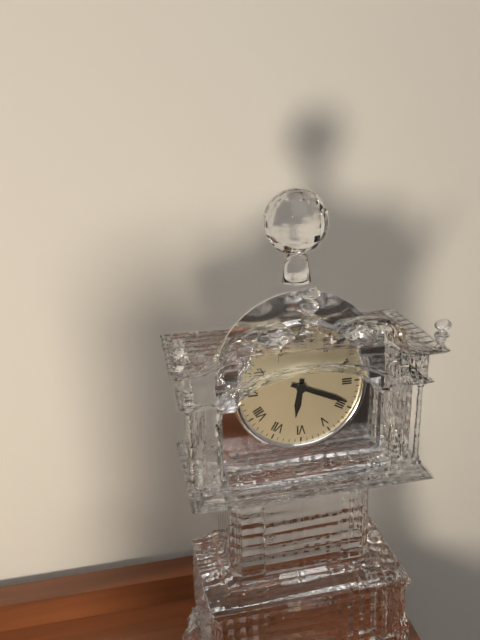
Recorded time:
h=6 m=19
